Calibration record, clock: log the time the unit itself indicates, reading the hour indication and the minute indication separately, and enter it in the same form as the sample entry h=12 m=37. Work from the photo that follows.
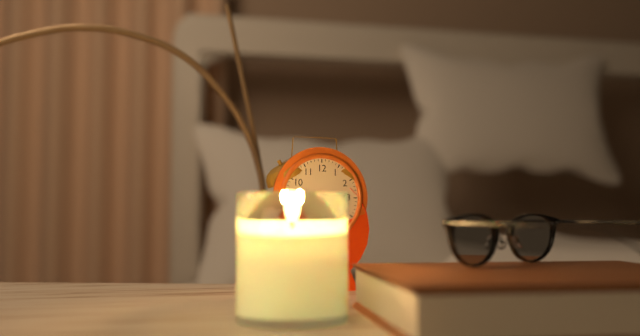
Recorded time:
h=7 m=38
